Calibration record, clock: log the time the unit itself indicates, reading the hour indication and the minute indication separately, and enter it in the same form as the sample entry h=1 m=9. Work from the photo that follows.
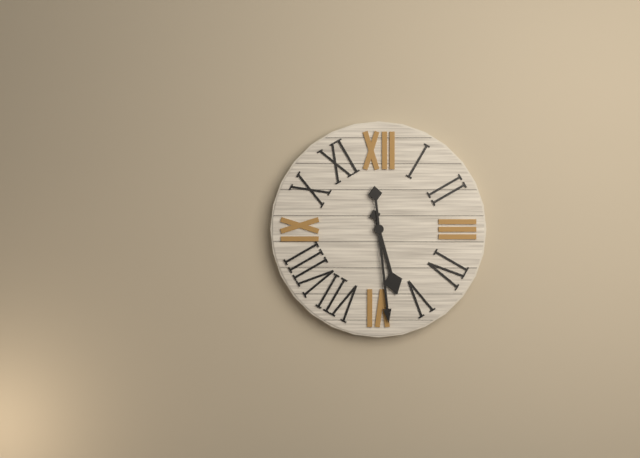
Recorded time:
h=5 m=29
